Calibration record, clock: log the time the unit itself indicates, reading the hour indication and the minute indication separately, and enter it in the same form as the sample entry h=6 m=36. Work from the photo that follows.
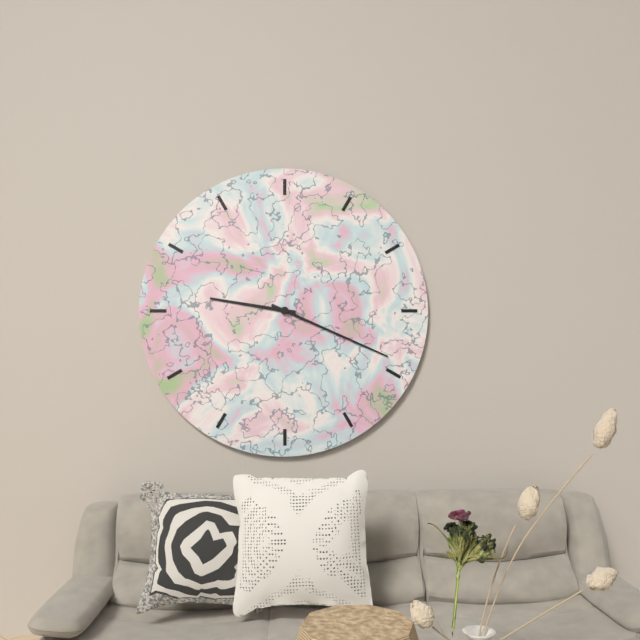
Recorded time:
h=9 m=19
